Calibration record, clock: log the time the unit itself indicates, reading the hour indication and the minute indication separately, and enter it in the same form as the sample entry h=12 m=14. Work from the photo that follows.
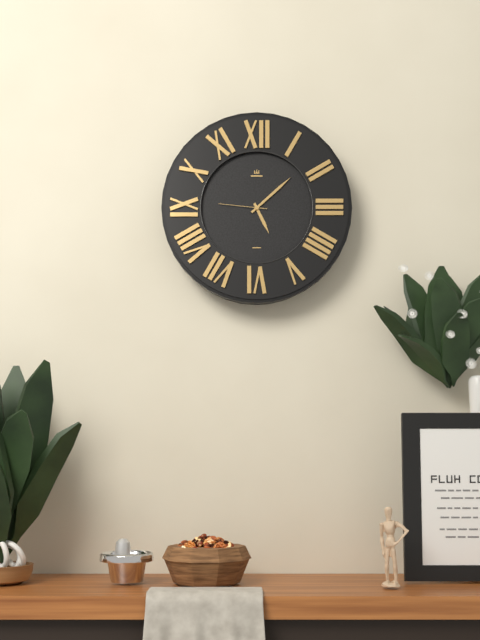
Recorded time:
h=5 m=8
